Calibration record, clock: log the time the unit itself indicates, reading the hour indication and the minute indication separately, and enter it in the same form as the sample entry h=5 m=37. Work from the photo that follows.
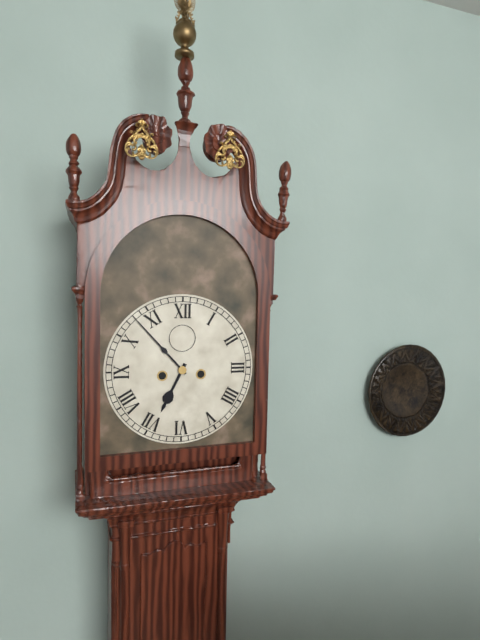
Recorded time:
h=6 m=53
